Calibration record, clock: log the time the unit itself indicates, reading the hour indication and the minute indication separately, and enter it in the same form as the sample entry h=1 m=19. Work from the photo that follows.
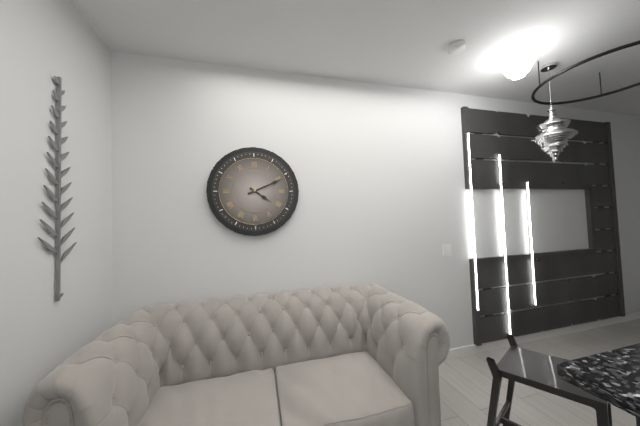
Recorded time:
h=4 m=11
